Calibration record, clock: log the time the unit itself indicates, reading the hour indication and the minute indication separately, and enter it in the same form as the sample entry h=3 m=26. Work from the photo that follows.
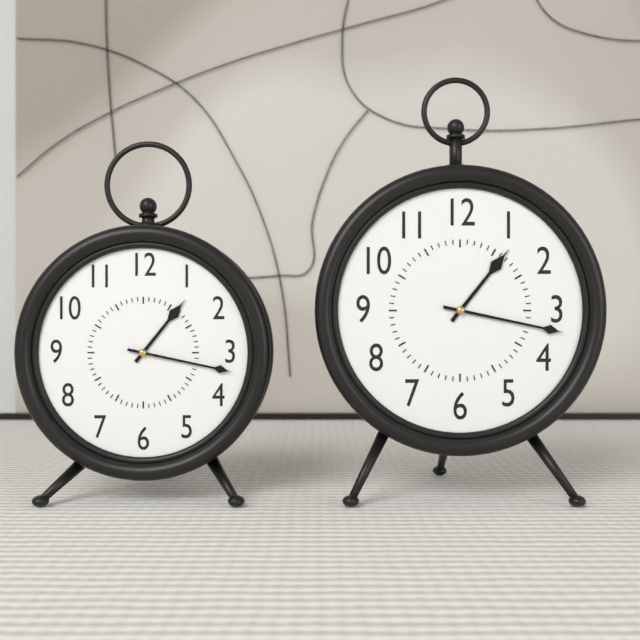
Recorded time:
h=1 m=17
